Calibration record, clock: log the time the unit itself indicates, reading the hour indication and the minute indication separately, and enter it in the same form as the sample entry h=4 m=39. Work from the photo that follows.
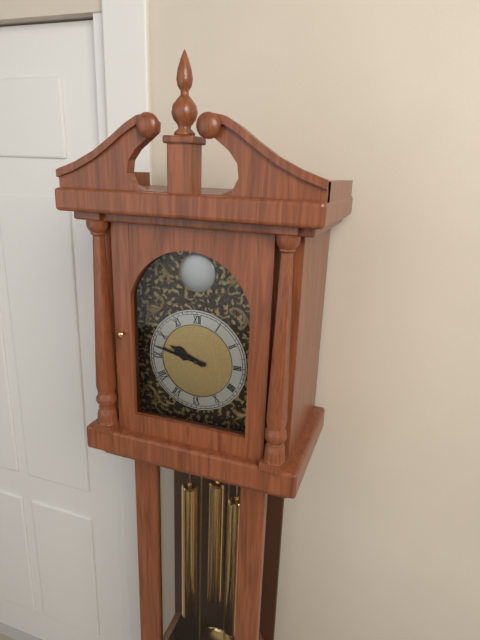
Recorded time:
h=9 m=47
